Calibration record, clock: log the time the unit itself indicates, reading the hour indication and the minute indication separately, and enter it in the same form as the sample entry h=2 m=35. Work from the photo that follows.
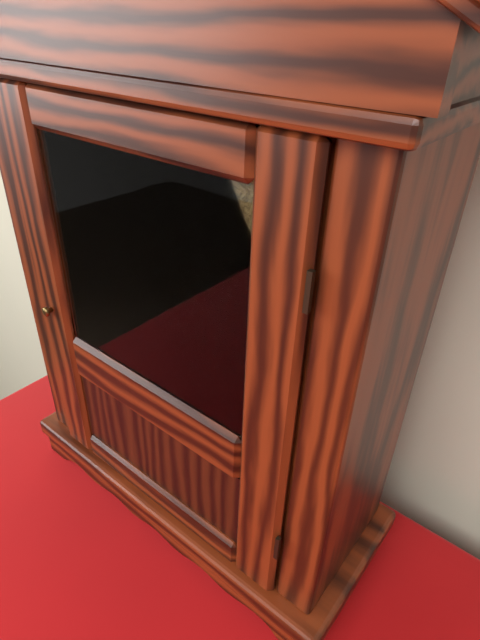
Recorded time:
h=11 m=7
